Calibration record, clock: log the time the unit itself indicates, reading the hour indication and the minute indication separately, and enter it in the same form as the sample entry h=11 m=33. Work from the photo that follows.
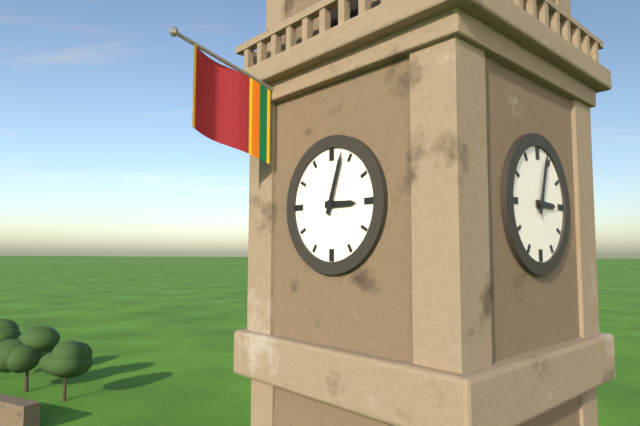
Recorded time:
h=3 m=3
